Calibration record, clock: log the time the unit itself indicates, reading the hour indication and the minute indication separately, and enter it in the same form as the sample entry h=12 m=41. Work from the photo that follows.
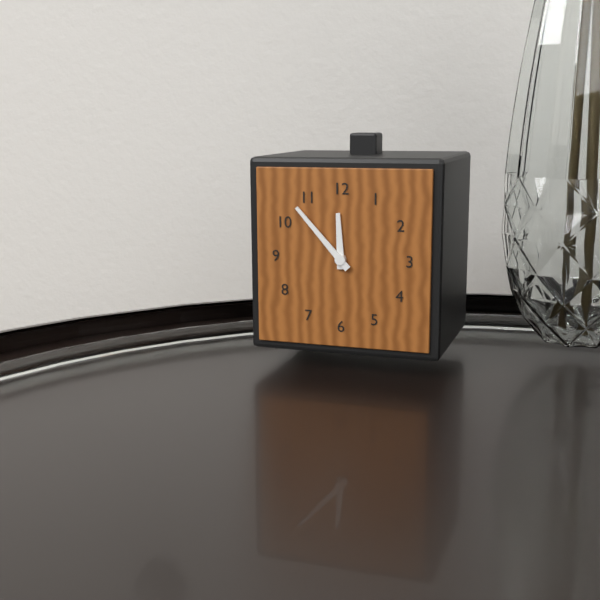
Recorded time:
h=11 m=53
